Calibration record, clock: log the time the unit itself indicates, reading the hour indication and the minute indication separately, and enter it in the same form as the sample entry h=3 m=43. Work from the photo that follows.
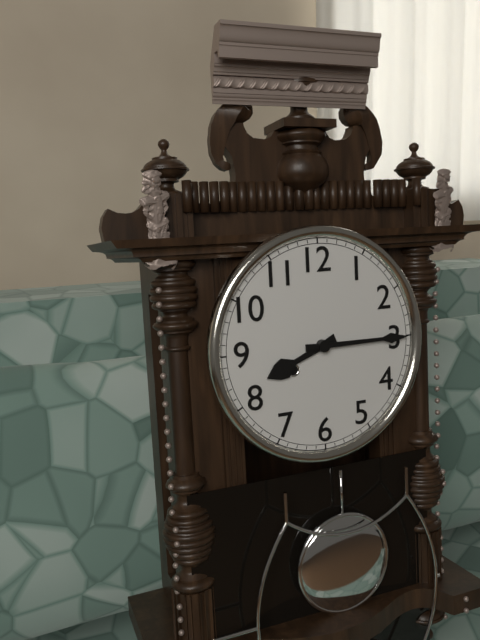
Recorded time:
h=8 m=15
